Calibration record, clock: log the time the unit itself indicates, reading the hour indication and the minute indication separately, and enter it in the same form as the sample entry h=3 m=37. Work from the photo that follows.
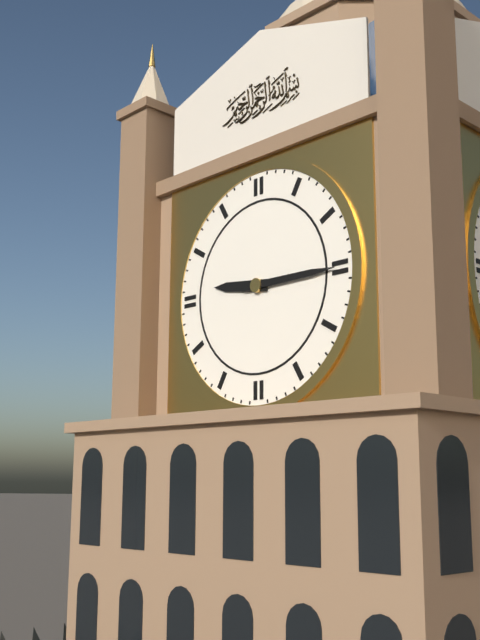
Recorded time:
h=9 m=15
